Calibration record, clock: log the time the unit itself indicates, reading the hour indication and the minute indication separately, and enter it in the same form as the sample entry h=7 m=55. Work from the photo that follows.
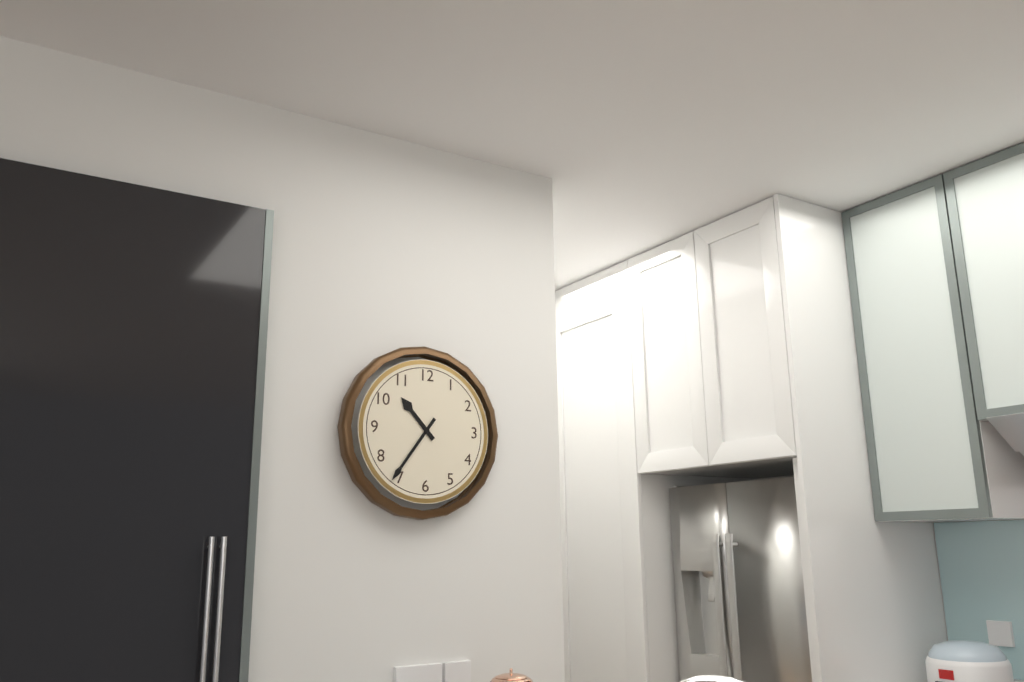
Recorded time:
h=10 m=36
